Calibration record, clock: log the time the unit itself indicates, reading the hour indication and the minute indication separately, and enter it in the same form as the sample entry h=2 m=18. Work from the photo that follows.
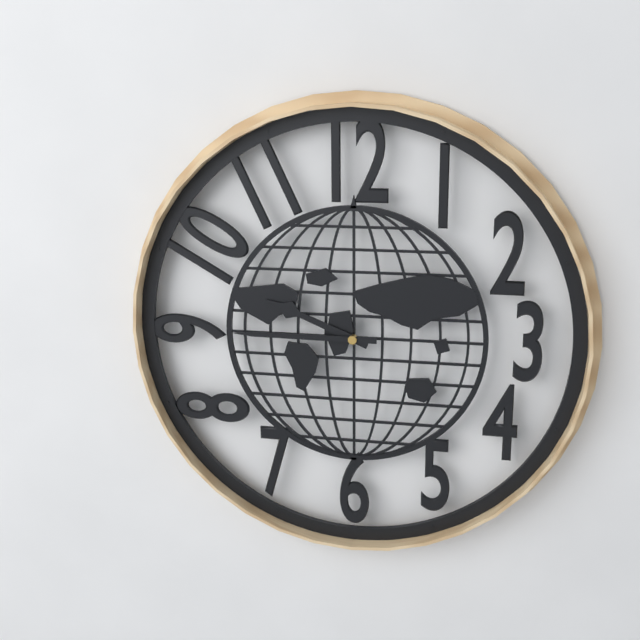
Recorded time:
h=9 m=45
